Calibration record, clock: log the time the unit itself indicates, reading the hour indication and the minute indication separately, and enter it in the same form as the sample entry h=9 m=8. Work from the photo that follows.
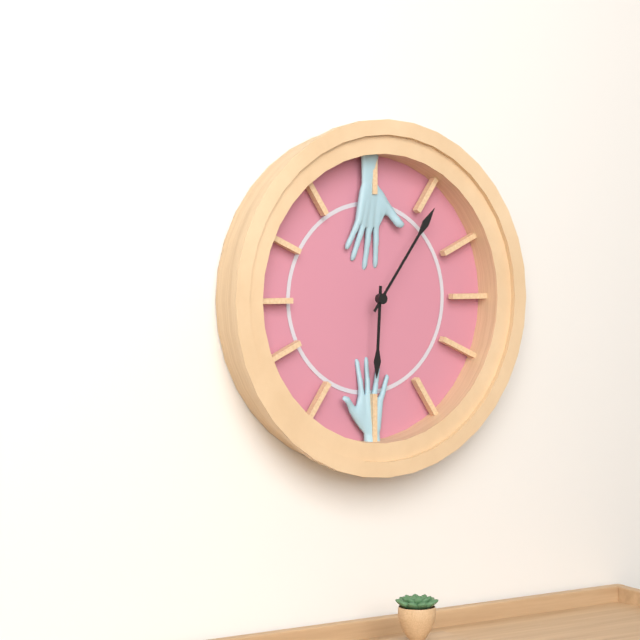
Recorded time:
h=6 m=6
